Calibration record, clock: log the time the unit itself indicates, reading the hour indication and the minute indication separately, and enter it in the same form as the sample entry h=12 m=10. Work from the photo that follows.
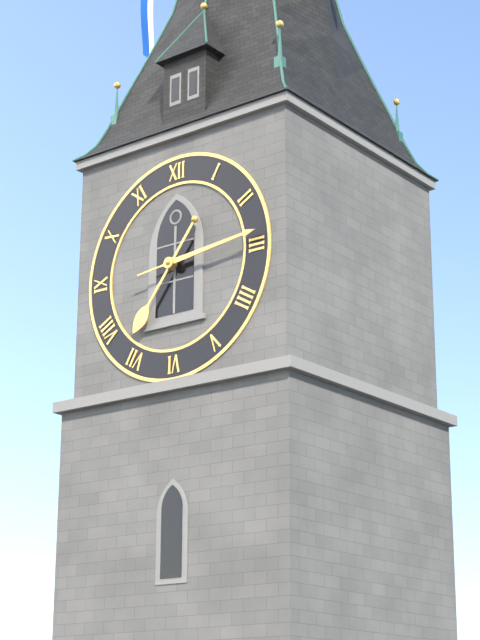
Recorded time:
h=7 m=14
